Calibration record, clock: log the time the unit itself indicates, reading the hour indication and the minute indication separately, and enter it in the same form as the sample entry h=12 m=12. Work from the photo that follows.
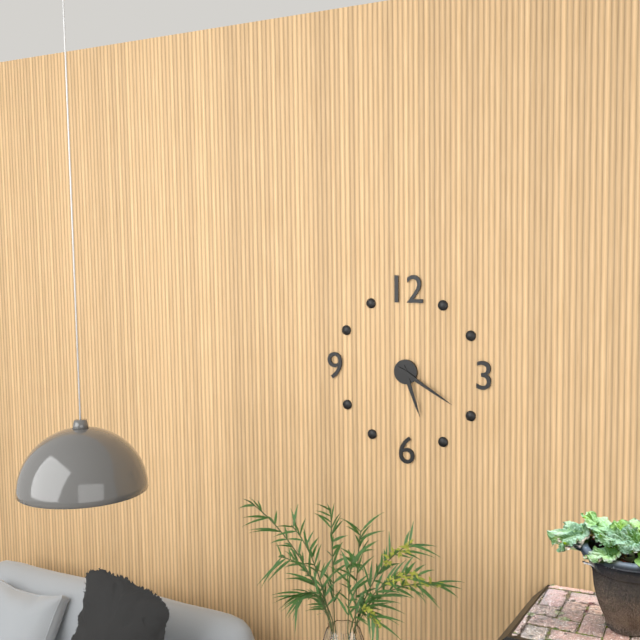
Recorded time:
h=5 m=20
